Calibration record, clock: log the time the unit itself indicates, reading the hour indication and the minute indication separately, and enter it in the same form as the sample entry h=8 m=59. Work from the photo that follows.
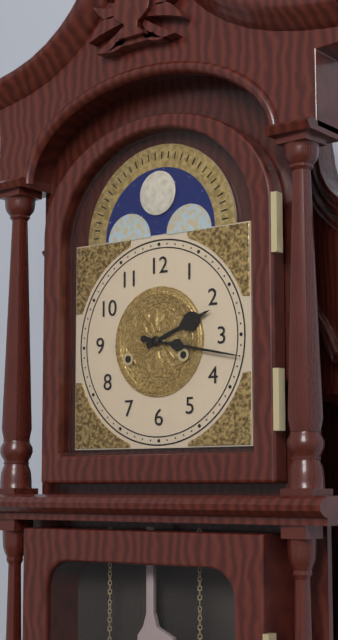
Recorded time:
h=2 m=17
